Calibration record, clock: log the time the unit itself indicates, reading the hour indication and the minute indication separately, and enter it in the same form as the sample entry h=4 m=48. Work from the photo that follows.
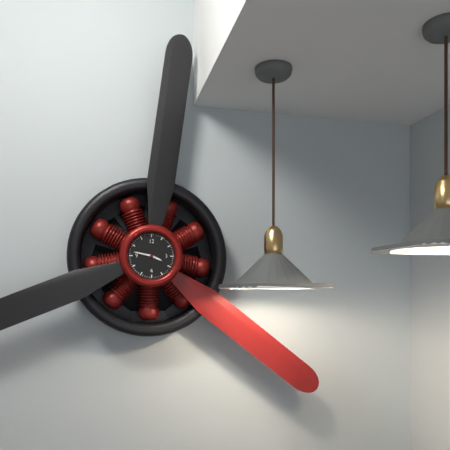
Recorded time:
h=3 m=47
